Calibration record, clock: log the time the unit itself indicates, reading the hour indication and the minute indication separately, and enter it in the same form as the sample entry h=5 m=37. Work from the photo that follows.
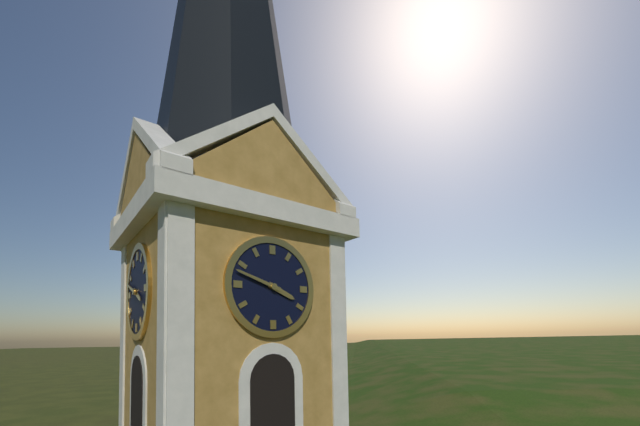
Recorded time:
h=3 m=48
